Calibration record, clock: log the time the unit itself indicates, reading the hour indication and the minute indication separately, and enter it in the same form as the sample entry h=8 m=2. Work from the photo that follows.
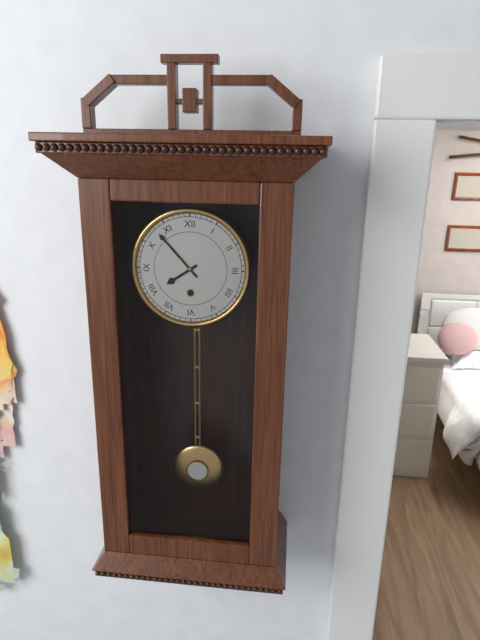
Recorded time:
h=7 m=53
